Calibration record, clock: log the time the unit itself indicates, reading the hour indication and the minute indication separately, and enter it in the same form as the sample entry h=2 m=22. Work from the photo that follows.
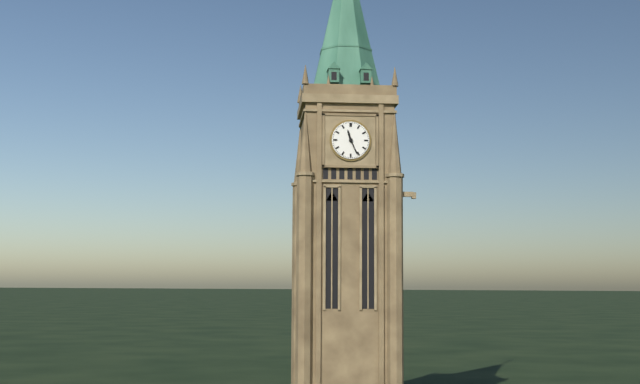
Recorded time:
h=11 m=26
